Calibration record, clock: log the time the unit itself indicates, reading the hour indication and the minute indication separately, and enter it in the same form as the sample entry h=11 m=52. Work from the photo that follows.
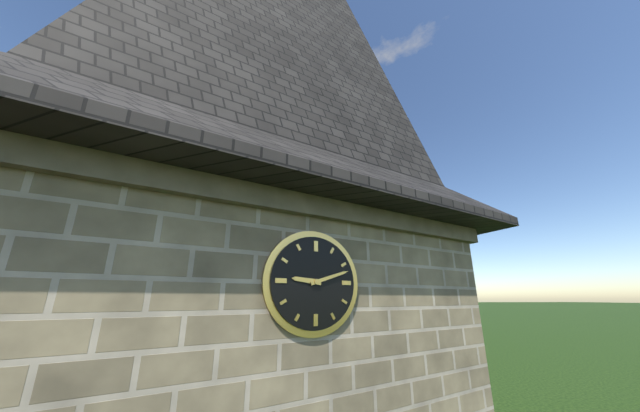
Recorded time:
h=9 m=12
